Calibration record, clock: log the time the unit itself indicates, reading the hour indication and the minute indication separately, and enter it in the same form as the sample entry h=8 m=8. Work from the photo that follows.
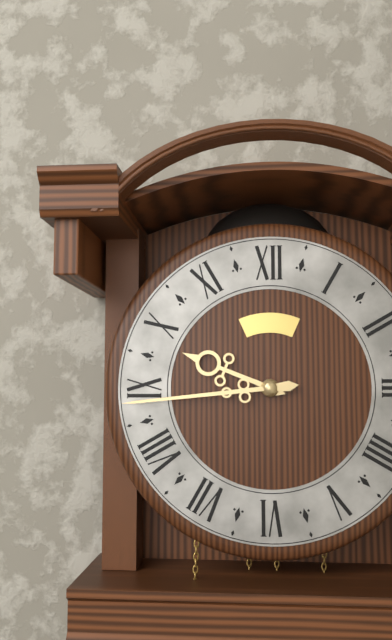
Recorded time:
h=9 m=44
